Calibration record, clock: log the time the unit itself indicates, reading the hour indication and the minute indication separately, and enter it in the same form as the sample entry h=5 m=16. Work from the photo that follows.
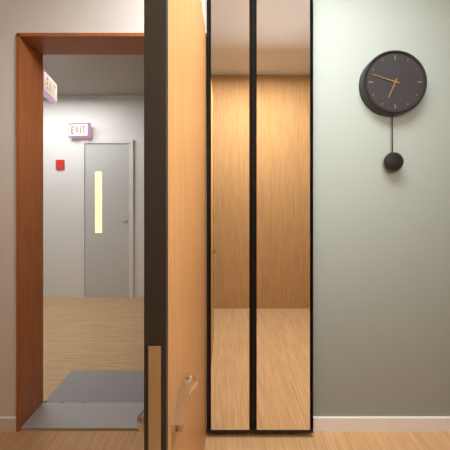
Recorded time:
h=6 m=48
